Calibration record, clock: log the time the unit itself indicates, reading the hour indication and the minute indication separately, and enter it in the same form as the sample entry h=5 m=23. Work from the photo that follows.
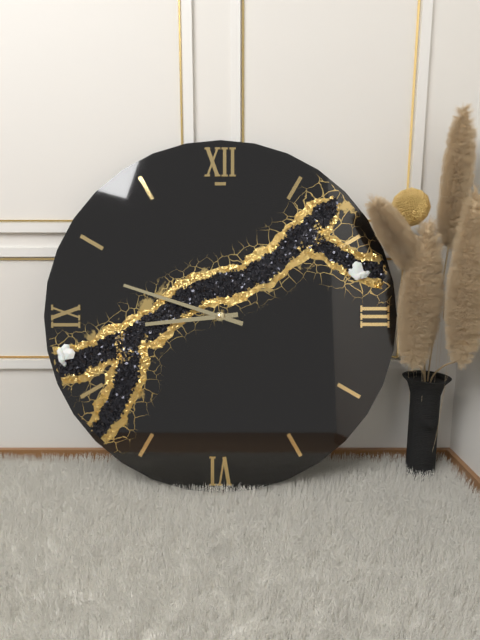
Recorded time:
h=8 m=48
